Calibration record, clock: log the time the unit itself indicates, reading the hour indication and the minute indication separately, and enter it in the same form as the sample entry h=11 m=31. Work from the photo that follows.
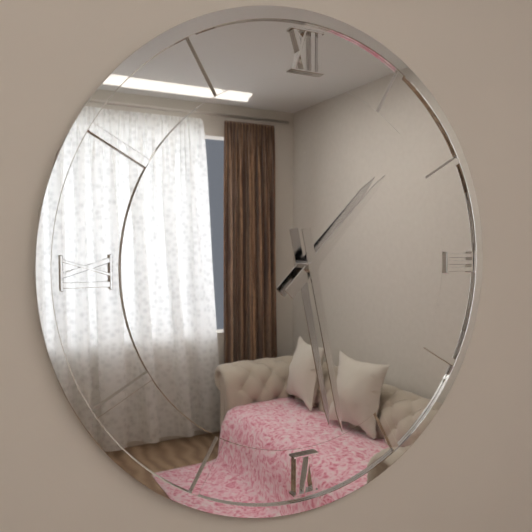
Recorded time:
h=1 m=28
